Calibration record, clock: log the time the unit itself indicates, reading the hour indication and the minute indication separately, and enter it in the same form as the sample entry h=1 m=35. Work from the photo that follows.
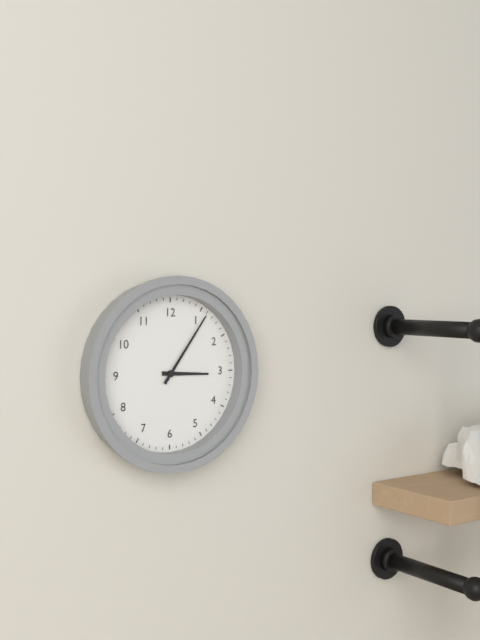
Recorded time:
h=3 m=6
